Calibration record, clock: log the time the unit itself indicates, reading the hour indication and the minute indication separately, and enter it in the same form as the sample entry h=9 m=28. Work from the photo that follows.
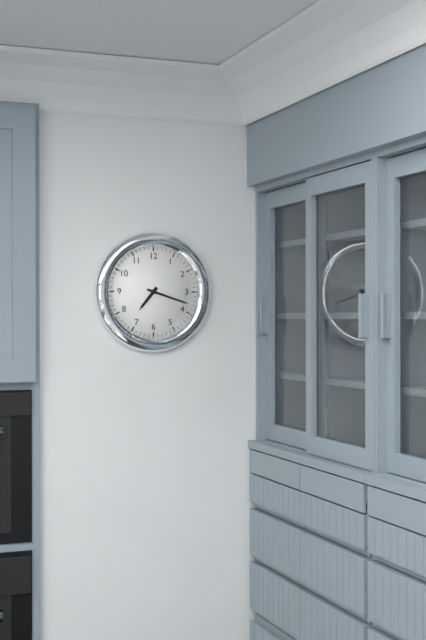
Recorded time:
h=7 m=18
